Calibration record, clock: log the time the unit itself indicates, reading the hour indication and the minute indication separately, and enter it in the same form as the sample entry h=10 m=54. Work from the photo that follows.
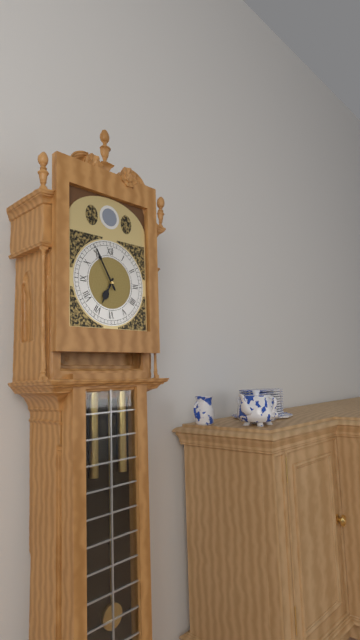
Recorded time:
h=6 m=55
